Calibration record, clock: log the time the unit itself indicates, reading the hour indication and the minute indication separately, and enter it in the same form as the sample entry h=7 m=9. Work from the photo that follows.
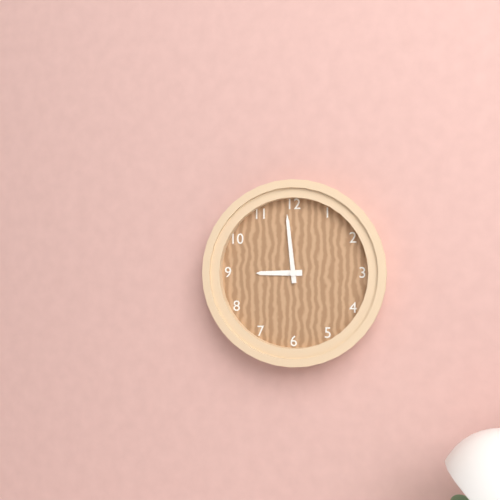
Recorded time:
h=8 m=59
